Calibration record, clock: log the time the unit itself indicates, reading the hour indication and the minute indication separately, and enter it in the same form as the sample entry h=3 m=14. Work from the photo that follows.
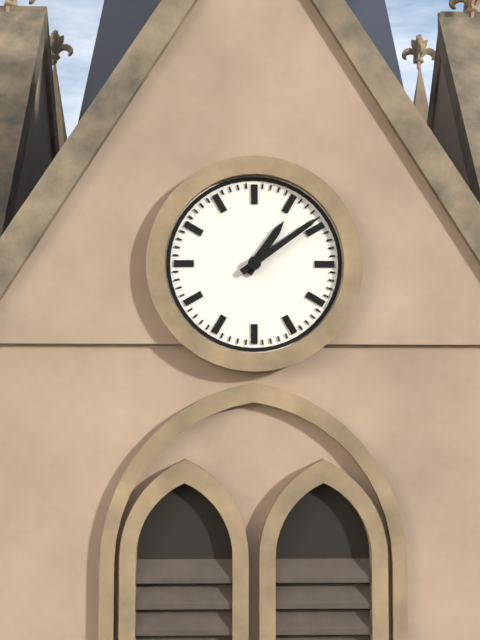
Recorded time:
h=1 m=9
